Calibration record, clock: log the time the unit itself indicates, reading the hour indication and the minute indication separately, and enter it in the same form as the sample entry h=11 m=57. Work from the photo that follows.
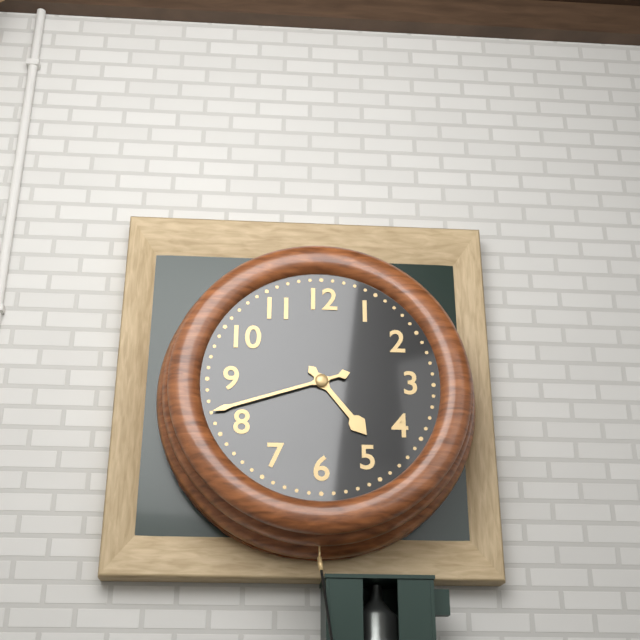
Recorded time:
h=4 m=42
